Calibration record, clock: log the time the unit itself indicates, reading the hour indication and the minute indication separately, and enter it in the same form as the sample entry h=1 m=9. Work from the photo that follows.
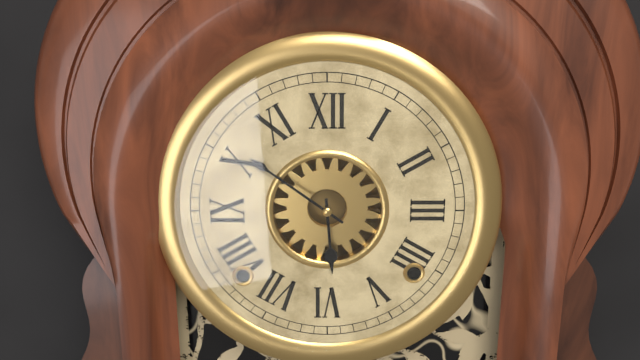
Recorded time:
h=5 m=51
